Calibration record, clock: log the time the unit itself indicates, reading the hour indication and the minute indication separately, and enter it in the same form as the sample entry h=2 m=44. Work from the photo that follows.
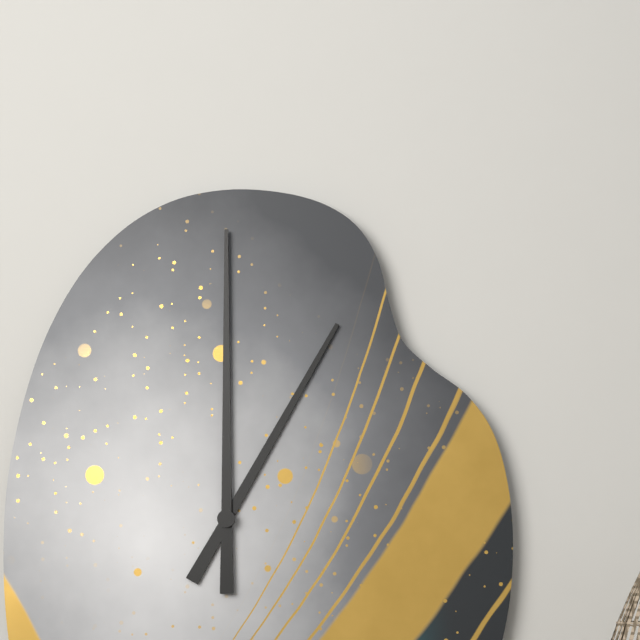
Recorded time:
h=1 m=0
